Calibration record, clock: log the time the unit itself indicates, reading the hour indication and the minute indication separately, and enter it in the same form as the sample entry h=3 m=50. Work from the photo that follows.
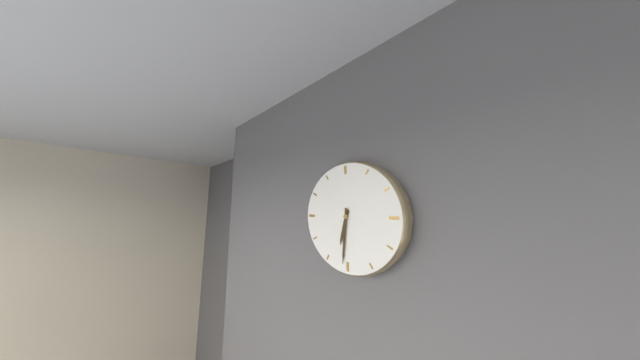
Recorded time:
h=6 m=31
